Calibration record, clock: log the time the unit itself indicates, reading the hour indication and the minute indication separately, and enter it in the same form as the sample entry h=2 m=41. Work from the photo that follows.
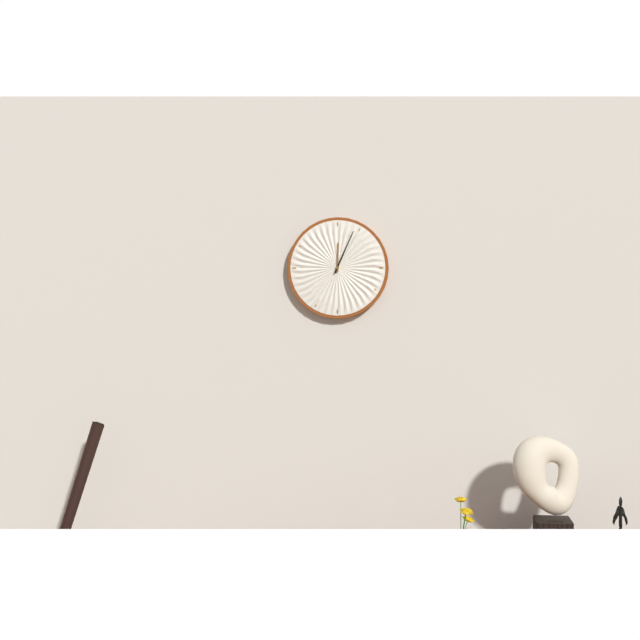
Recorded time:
h=12 m=4
